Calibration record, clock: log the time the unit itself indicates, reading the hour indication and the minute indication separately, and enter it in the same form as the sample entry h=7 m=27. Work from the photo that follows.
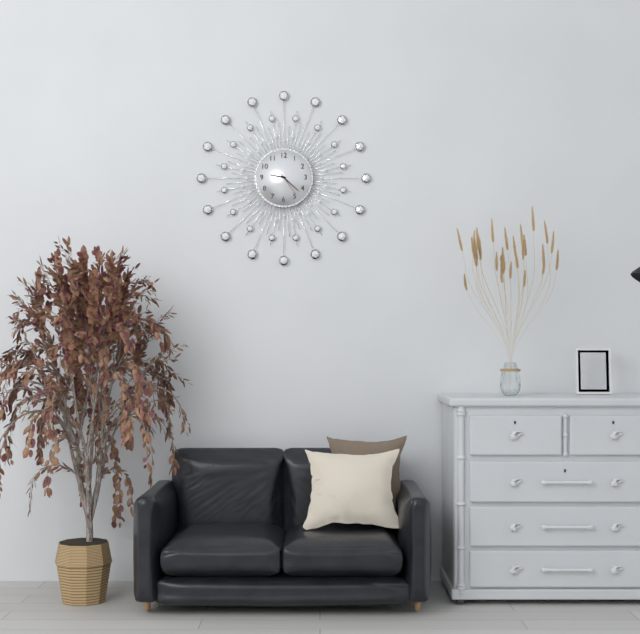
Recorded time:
h=9 m=22
